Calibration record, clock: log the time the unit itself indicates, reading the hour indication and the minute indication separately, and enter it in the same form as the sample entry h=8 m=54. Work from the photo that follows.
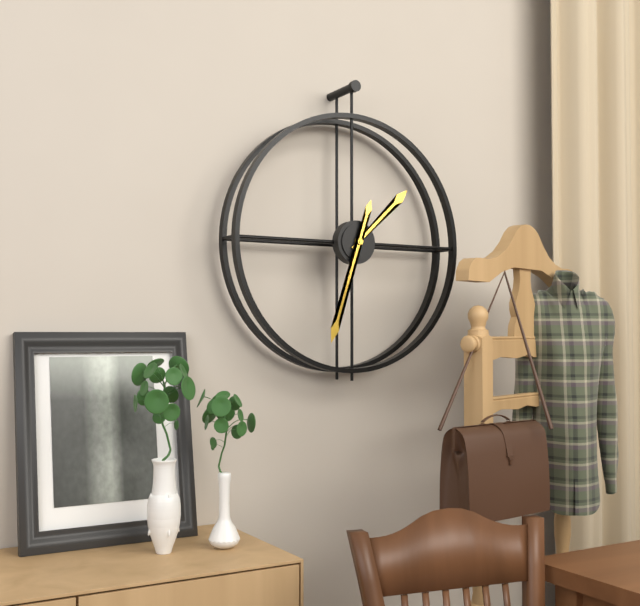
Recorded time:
h=1 m=33
